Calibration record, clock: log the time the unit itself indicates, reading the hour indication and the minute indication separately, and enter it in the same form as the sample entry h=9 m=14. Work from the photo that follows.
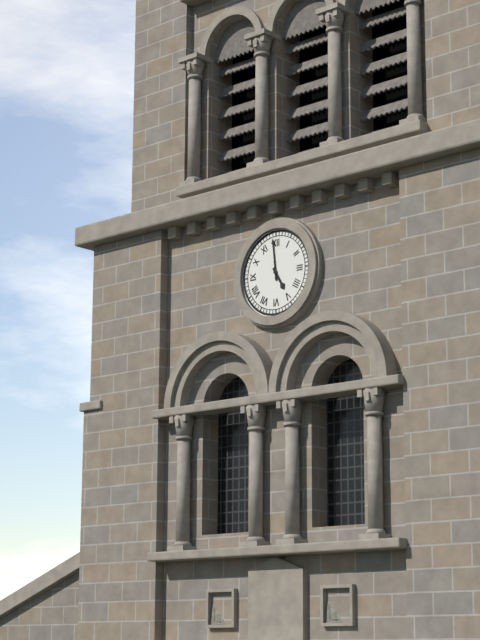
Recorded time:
h=4 m=59
